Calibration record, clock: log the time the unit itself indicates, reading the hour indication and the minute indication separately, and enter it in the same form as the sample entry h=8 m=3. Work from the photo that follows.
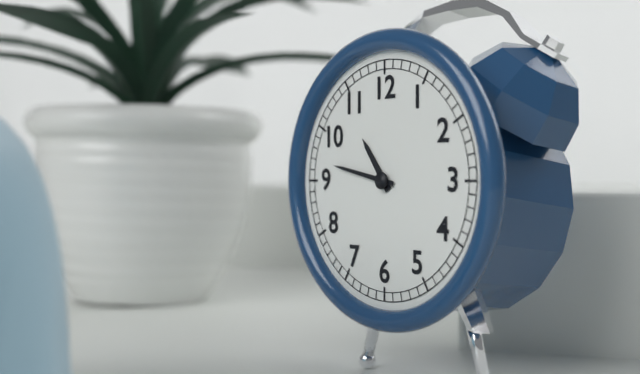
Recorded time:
h=10 m=47
